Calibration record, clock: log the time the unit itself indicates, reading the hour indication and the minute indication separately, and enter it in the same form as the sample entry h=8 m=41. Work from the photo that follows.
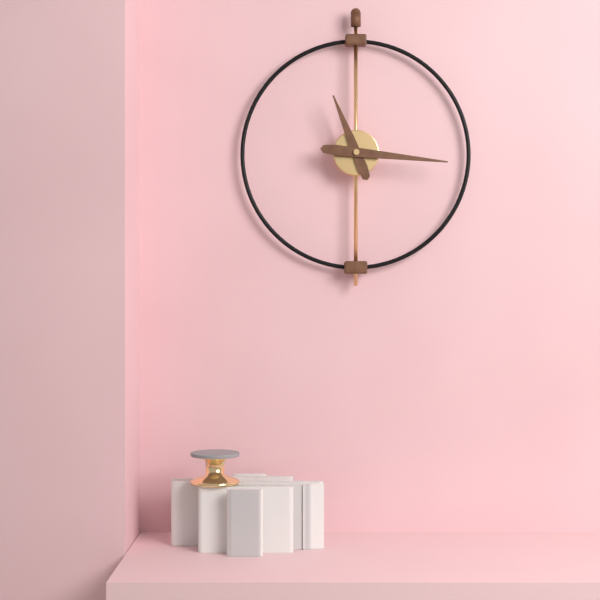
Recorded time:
h=11 m=16
